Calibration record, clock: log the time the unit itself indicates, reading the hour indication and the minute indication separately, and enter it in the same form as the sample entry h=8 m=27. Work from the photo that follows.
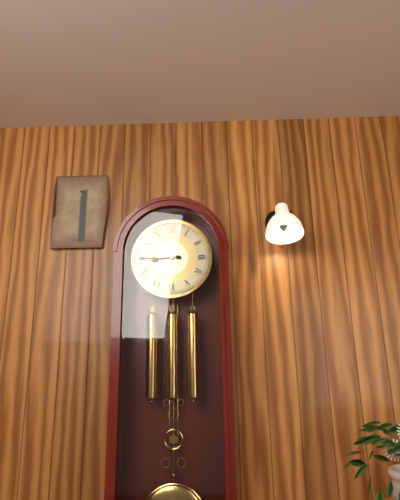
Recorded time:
h=8 m=45
